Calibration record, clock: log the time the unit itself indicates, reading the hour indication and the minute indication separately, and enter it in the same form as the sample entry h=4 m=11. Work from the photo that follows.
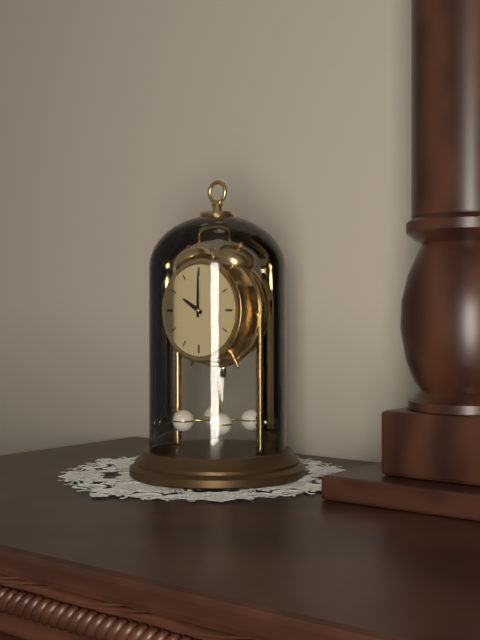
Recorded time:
h=10 m=0
